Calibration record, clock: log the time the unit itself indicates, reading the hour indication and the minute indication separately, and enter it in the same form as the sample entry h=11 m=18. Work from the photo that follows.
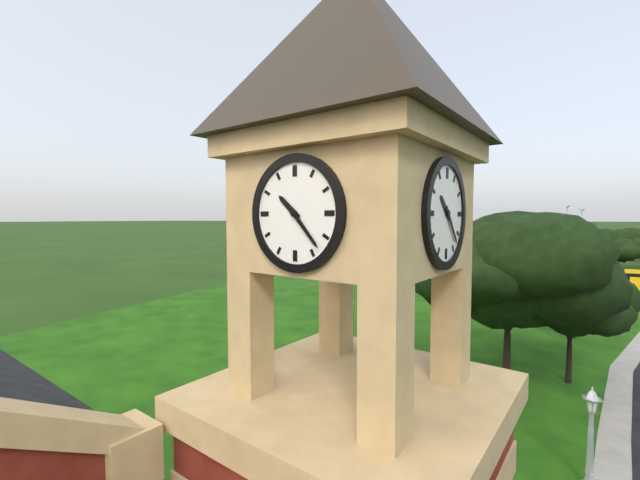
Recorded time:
h=10 m=23
